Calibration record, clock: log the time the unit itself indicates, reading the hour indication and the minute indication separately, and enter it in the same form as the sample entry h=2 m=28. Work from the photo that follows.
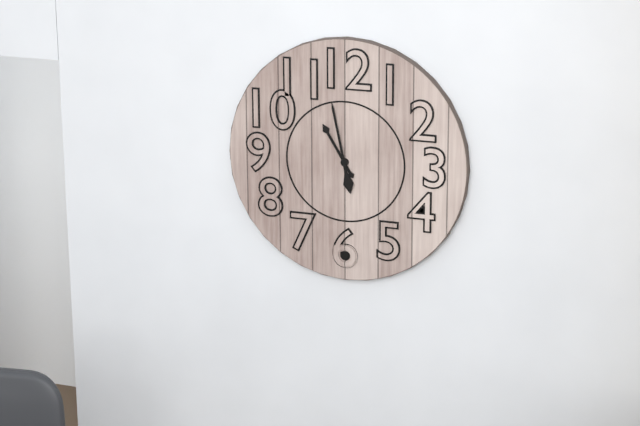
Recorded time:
h=10 m=58
